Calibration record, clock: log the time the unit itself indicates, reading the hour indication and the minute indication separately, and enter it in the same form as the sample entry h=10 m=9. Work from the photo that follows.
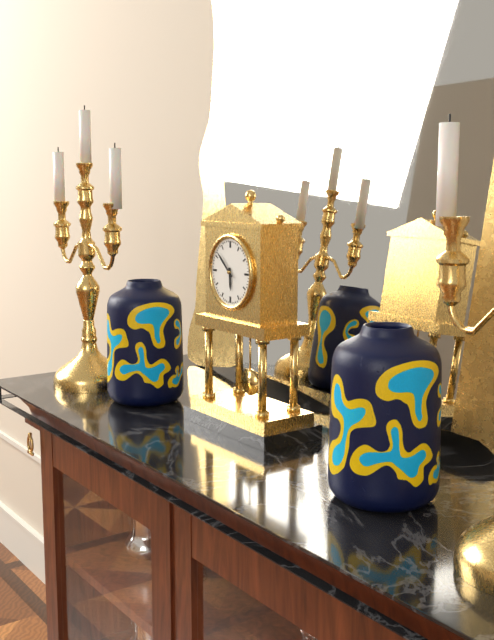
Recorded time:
h=5 m=52
